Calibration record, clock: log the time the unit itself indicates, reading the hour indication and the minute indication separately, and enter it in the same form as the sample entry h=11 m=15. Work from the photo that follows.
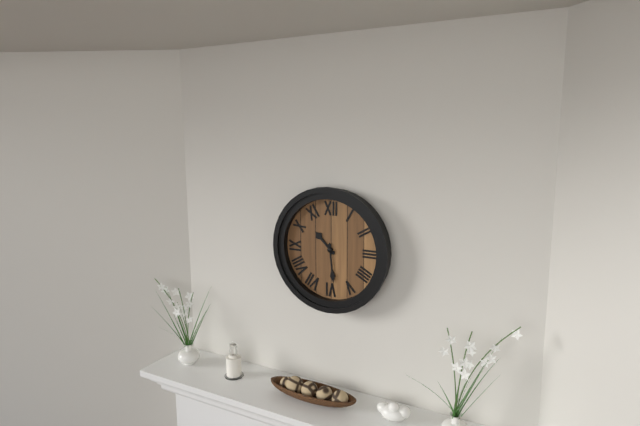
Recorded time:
h=10 m=29
